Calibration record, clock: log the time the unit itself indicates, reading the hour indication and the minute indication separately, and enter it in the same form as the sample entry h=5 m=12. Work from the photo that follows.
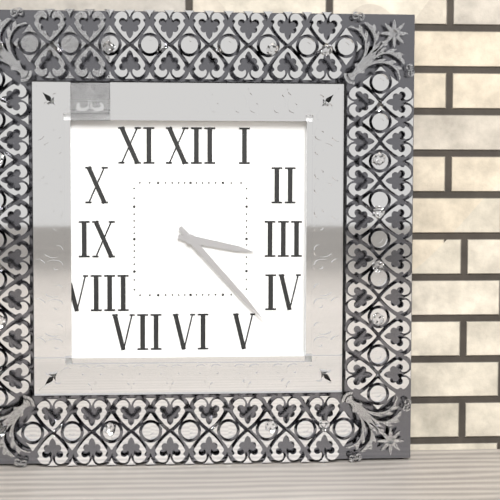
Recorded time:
h=3 m=23
